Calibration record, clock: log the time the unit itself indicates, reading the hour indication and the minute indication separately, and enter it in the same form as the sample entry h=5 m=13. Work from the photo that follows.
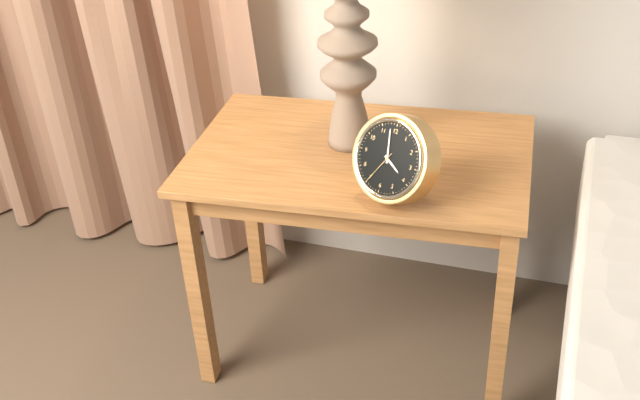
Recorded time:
h=3 m=58
